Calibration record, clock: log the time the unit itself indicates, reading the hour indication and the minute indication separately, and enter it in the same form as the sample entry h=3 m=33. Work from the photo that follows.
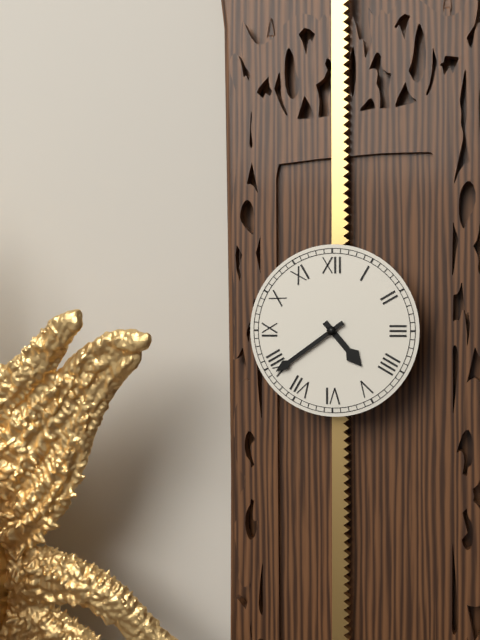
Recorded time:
h=4 m=39
